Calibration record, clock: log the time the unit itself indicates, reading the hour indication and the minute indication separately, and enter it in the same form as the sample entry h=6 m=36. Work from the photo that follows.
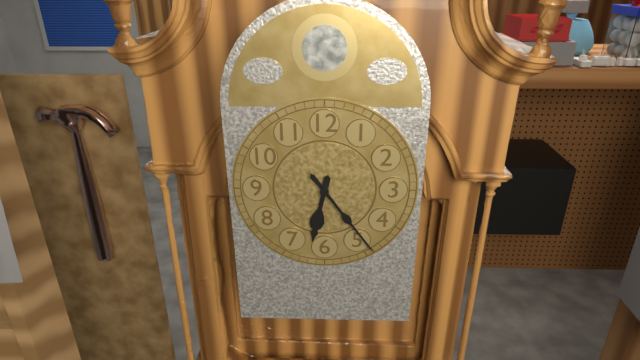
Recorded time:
h=6 m=24
